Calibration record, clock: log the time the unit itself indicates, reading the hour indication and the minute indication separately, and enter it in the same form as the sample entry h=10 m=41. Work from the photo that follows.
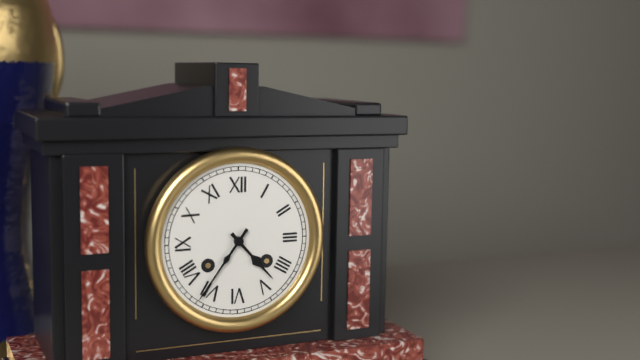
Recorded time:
h=4 m=36
